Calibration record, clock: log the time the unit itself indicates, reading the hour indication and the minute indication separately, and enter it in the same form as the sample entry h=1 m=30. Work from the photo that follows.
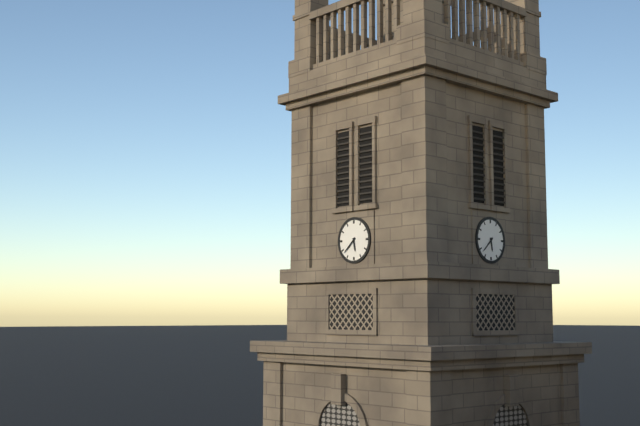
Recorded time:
h=5 m=38
